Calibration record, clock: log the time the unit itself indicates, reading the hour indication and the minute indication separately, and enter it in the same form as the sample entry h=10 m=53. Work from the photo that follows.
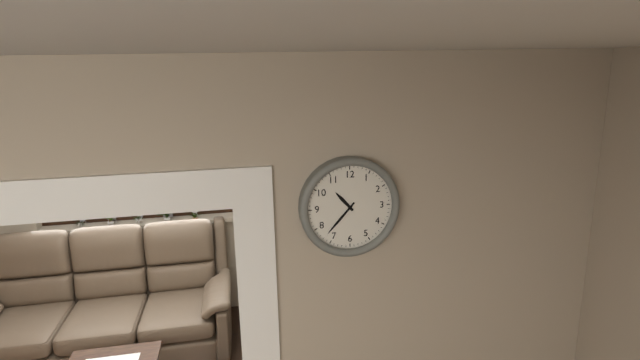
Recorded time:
h=10 m=37
